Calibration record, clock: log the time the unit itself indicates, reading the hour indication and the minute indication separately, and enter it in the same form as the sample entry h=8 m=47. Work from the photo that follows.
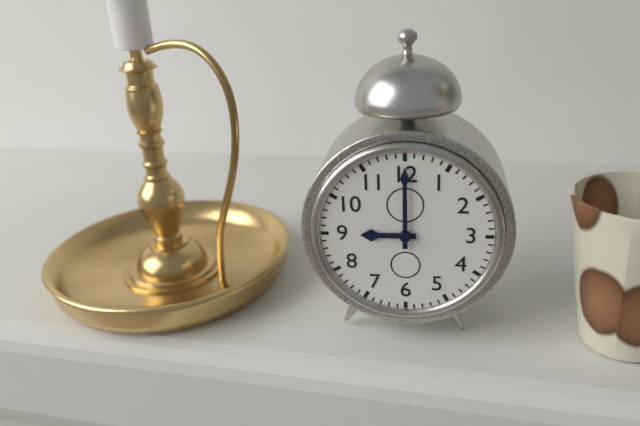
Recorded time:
h=9 m=0
